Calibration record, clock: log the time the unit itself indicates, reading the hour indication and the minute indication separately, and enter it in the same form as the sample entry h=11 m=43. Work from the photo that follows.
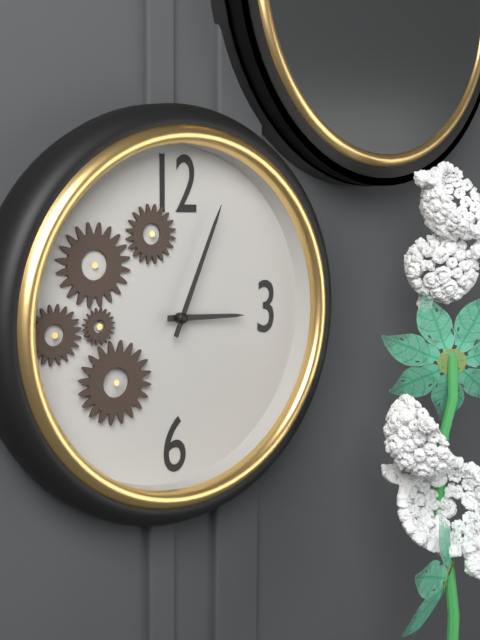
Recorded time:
h=3 m=4
